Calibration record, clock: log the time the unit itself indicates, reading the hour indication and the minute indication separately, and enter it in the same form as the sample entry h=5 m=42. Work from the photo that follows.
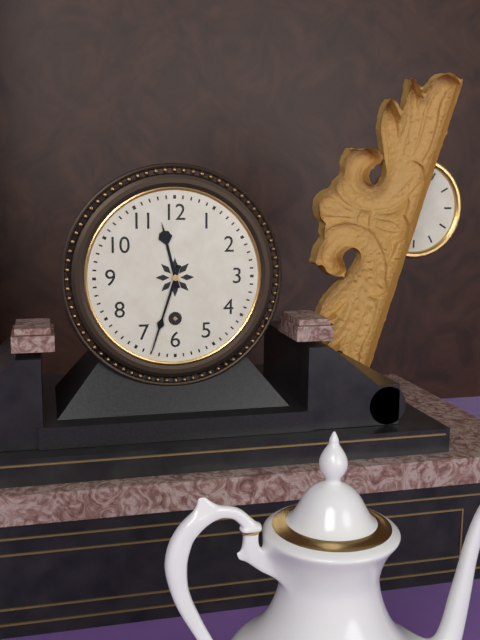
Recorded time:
h=11 m=33
